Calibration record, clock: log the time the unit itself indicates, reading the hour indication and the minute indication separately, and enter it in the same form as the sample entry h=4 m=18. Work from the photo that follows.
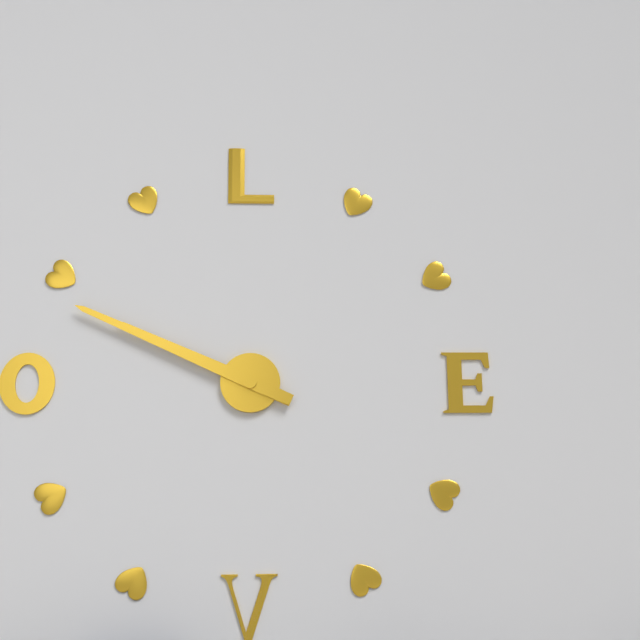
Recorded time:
h=9 m=49
